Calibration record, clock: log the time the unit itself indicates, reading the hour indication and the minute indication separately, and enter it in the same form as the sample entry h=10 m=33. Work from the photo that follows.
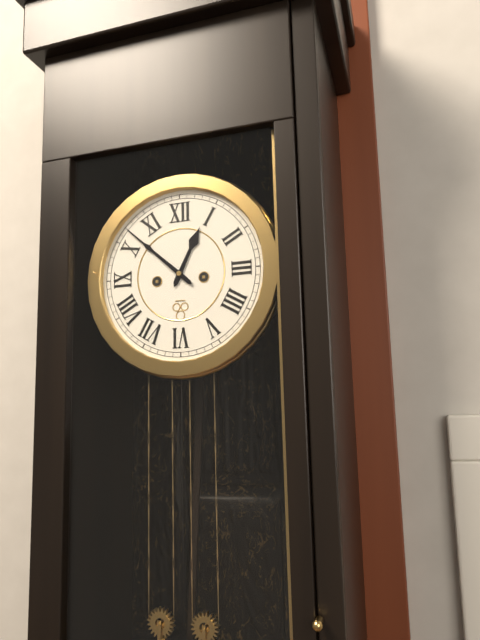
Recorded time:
h=12 m=52
